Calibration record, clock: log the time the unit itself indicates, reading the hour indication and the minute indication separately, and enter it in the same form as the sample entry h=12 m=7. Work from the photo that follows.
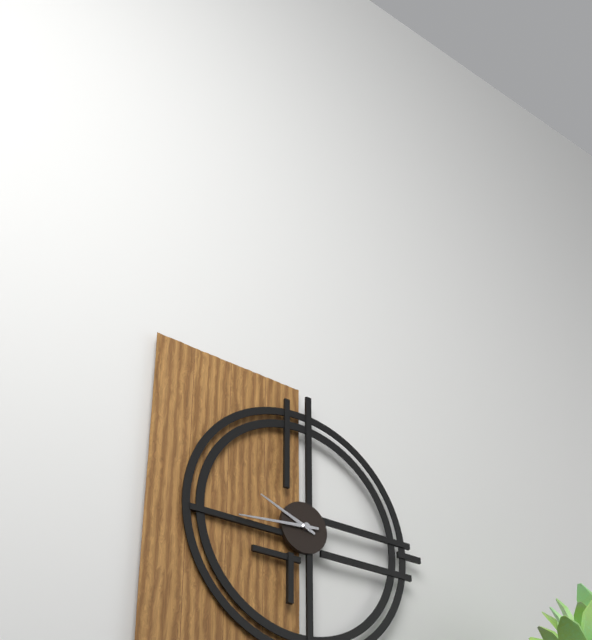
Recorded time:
h=9 m=44
